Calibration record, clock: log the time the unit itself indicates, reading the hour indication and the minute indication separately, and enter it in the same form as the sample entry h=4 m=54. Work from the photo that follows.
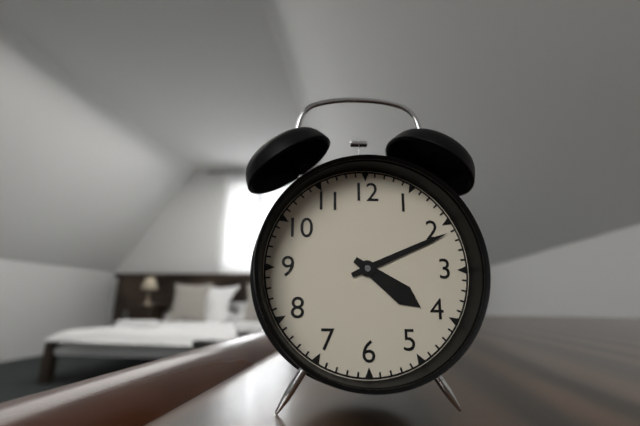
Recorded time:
h=4 m=11
